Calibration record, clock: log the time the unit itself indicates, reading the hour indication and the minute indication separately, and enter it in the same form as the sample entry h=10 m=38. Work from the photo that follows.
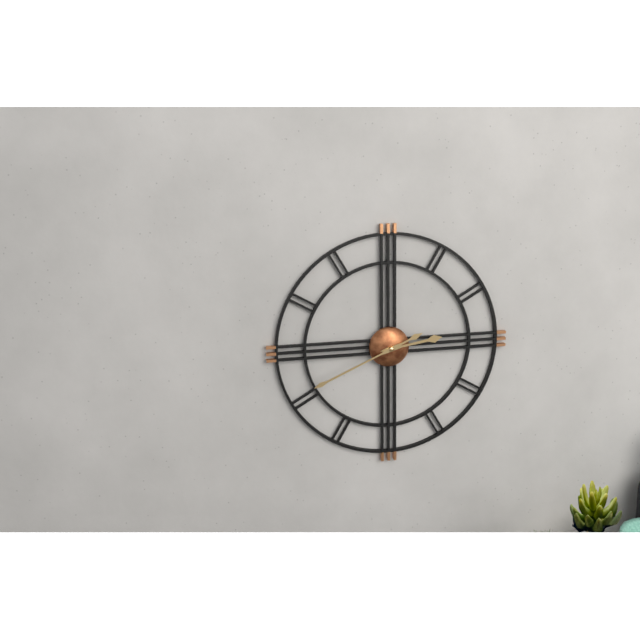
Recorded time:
h=2 m=41
